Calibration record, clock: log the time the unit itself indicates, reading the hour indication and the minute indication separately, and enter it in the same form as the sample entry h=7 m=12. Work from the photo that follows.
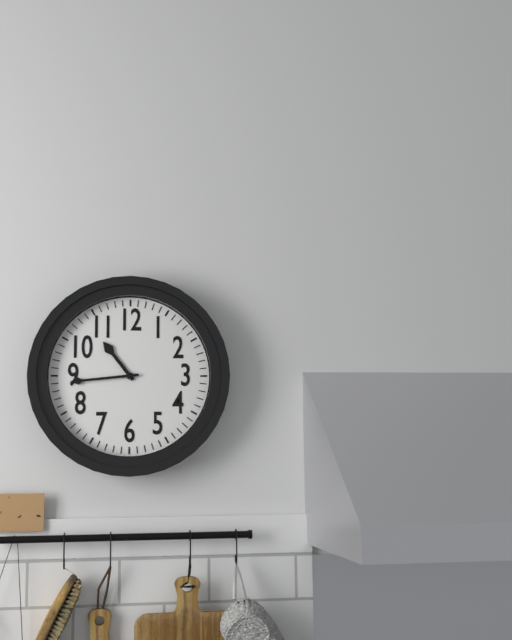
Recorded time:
h=10 m=44
